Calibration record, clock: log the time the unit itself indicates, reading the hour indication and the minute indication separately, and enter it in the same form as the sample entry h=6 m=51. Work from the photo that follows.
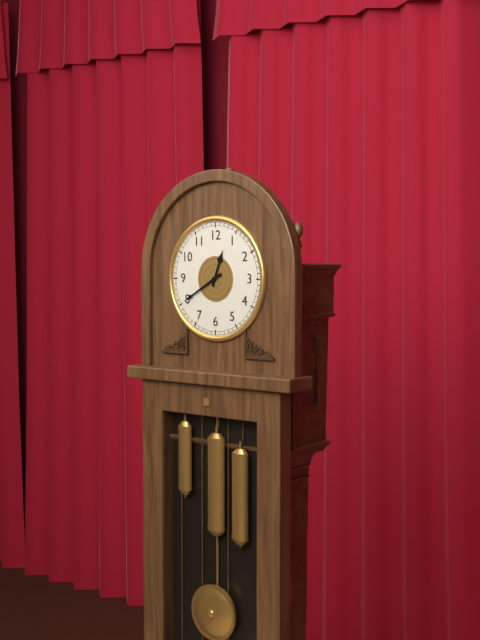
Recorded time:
h=12 m=40
